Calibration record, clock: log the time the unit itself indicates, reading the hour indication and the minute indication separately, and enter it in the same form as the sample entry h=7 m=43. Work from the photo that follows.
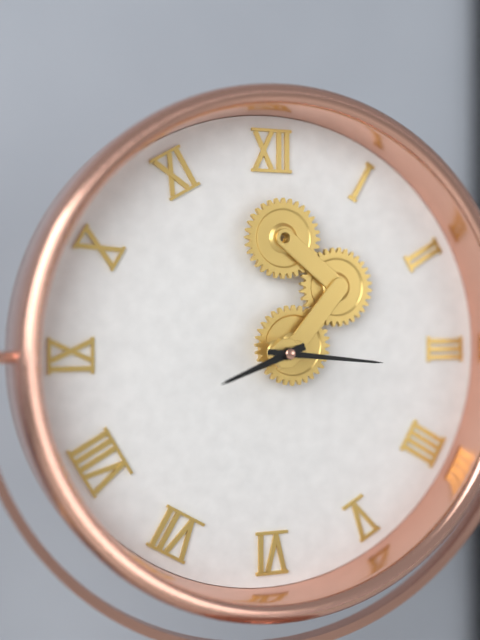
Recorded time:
h=8 m=16
